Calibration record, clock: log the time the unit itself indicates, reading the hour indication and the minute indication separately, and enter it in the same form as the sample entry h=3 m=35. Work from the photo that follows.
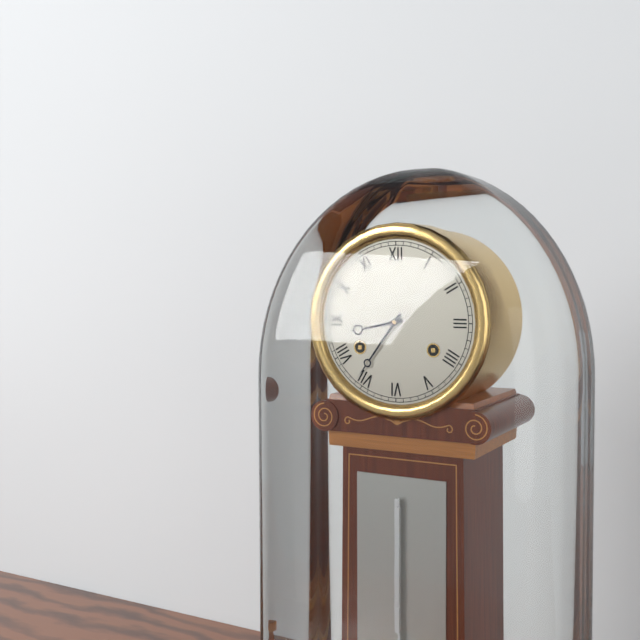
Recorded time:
h=8 m=36
